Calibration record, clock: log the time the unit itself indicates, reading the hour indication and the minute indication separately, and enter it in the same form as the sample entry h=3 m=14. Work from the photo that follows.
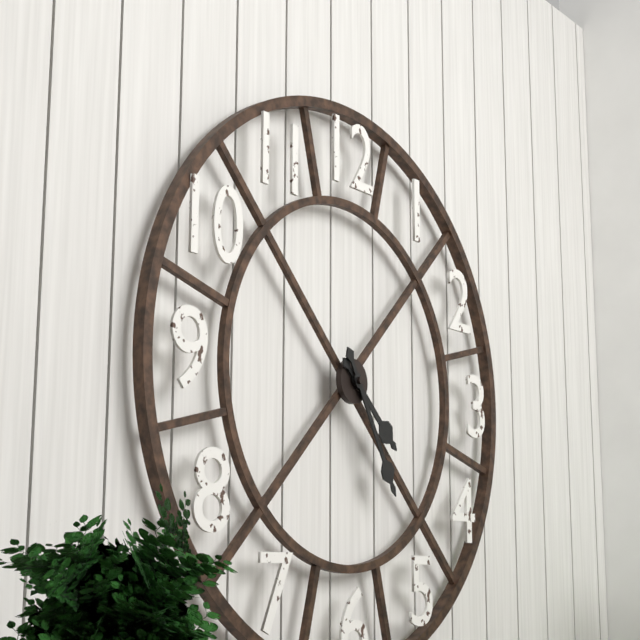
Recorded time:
h=4 m=25
